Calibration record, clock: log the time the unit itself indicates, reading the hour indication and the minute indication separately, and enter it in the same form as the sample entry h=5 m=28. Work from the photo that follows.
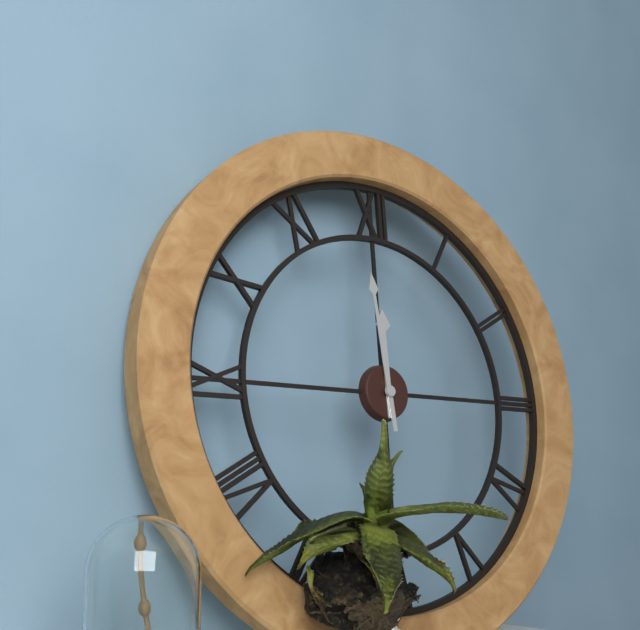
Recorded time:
h=11 m=59
